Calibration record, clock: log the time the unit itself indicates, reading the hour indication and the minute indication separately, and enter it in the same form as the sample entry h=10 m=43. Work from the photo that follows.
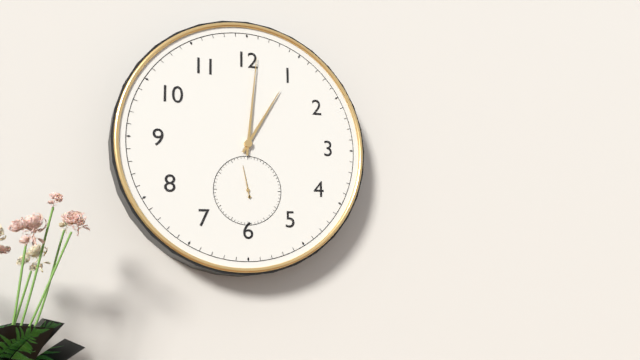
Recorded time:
h=1 m=1
